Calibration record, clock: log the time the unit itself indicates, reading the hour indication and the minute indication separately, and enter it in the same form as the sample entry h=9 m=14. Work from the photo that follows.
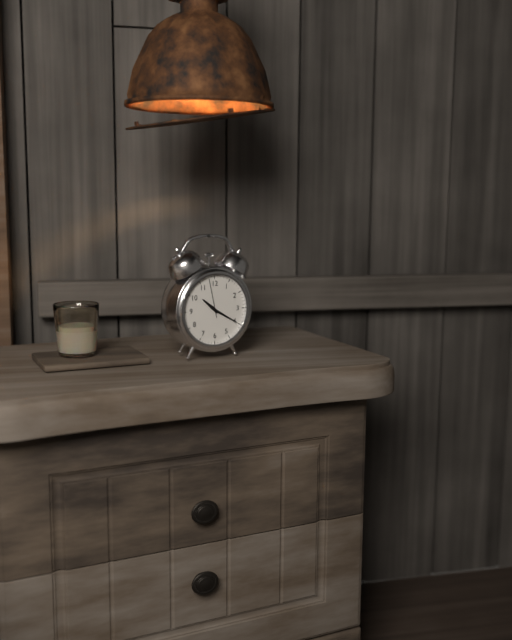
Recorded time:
h=10 m=20
